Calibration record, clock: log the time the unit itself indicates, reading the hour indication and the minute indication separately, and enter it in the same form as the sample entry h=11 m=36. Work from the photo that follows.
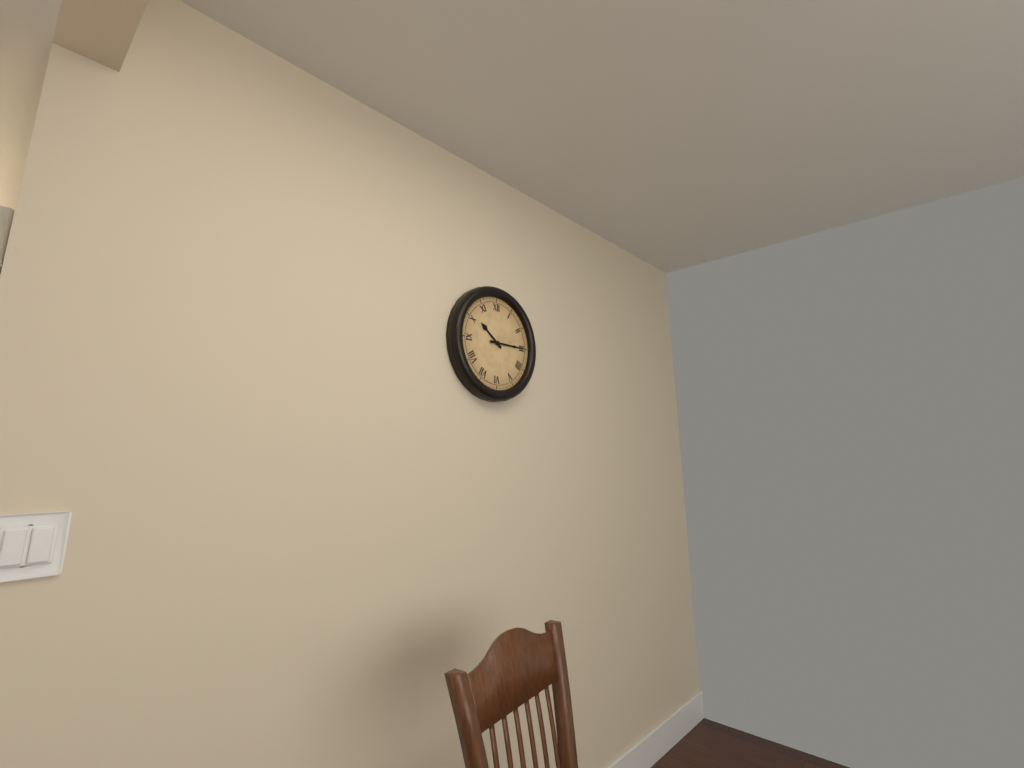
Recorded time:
h=10 m=15
